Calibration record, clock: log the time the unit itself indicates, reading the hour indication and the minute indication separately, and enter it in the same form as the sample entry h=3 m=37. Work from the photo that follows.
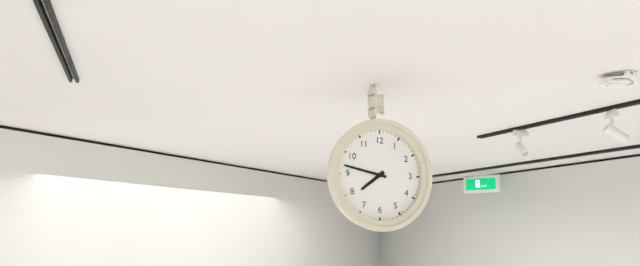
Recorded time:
h=7 m=47
